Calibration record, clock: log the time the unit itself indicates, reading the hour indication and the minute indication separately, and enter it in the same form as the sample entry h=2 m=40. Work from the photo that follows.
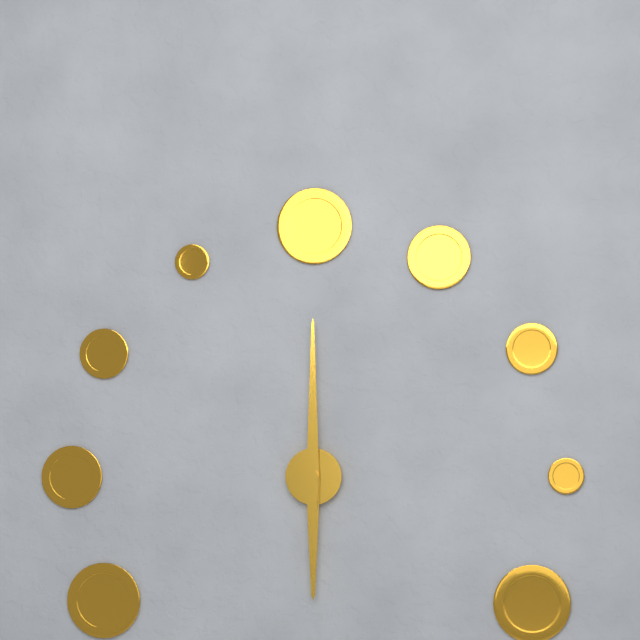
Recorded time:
h=6 m=0
